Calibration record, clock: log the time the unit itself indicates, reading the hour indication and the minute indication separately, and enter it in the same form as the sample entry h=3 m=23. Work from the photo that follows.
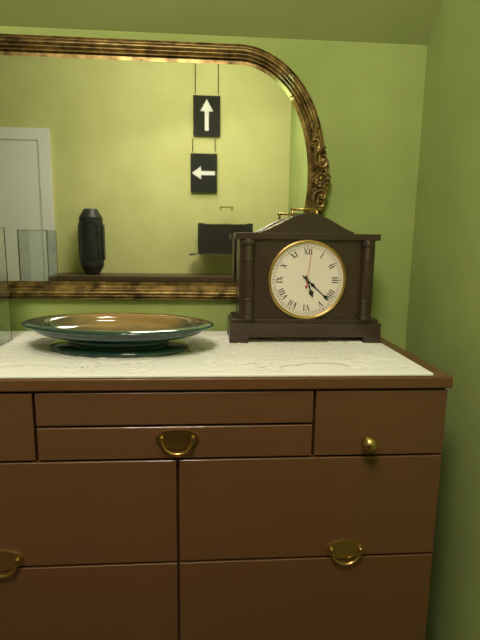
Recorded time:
h=5 m=22
